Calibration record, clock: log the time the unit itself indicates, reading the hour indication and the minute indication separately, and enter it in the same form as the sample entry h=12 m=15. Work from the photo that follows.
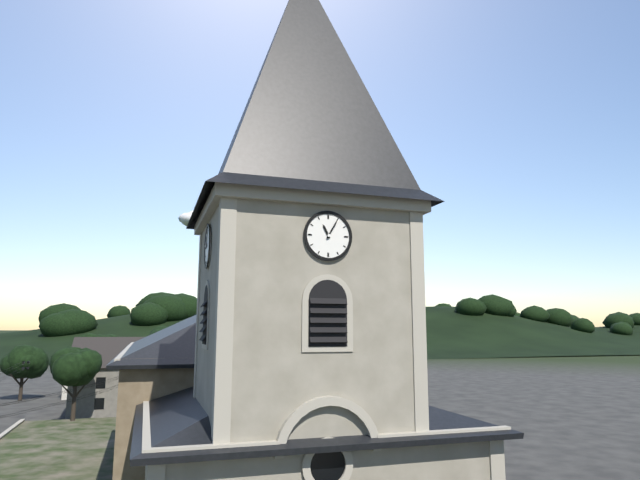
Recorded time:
h=11 m=5
